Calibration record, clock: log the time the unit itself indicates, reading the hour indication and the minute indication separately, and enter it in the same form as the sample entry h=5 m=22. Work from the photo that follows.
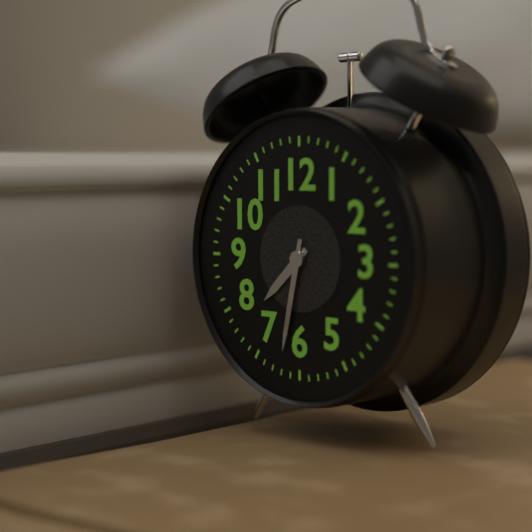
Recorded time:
h=7 m=32
